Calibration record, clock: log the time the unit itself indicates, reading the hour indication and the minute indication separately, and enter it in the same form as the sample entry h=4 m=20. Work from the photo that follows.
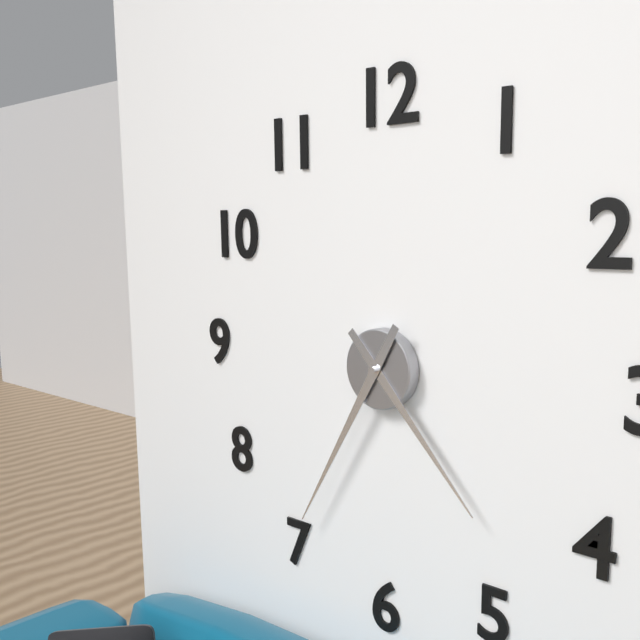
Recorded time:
h=4 m=35
